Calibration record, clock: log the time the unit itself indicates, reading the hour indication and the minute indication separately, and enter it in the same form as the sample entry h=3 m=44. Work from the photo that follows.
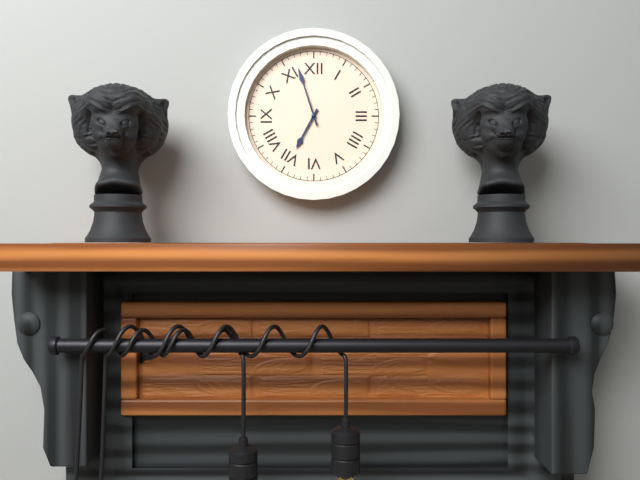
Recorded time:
h=6 m=57
